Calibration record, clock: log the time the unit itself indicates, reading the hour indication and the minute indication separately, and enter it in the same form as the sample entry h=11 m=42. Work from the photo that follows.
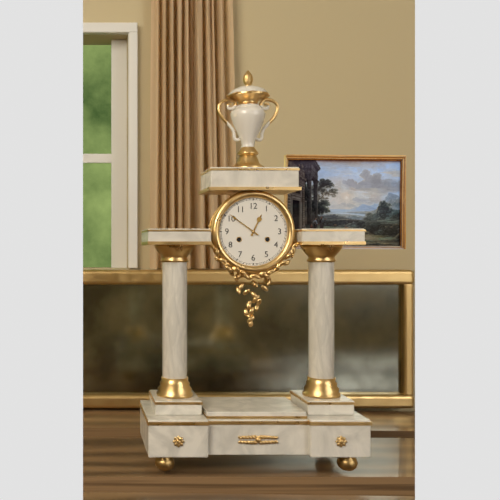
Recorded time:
h=12 m=51
